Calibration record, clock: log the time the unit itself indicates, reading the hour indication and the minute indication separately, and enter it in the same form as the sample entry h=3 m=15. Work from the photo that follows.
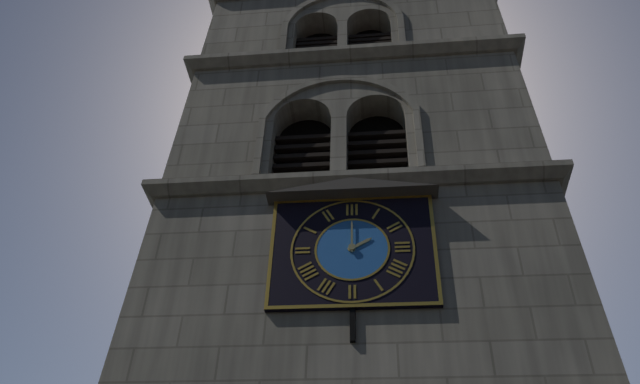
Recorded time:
h=2 m=0
